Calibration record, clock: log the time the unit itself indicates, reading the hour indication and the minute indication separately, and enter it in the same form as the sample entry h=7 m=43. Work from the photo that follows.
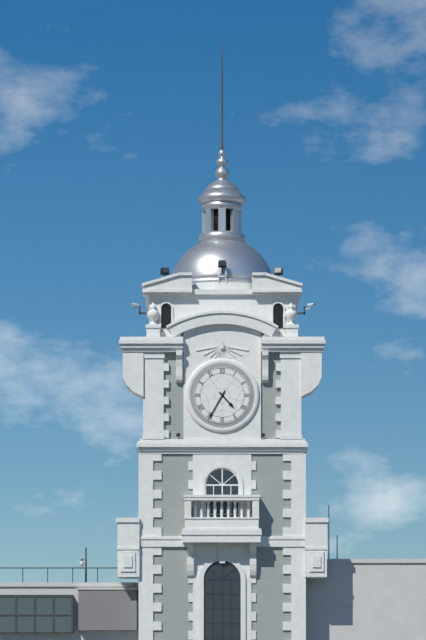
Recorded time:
h=4 m=35
